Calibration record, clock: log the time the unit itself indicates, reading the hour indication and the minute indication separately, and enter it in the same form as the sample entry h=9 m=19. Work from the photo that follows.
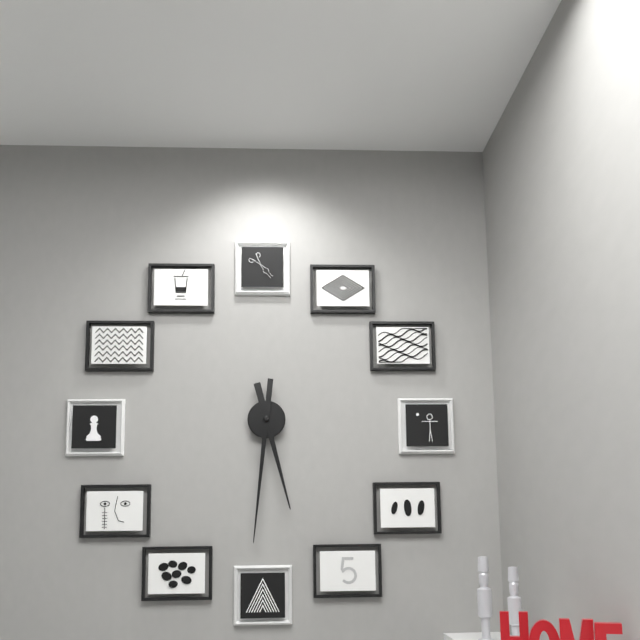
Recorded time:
h=5 m=31
